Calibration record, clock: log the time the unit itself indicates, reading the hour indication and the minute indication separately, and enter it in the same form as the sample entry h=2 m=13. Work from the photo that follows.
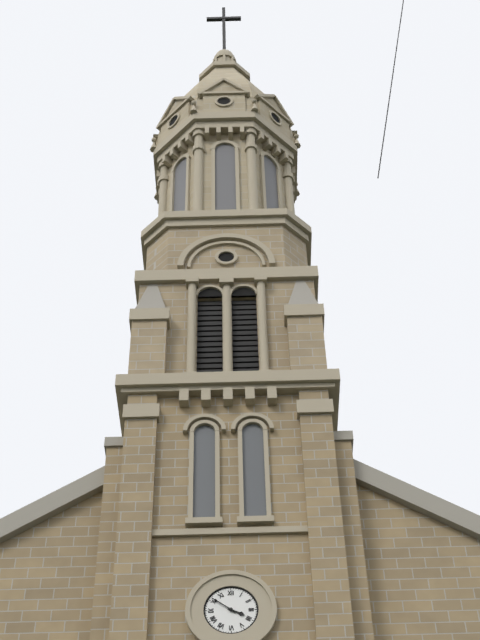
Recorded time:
h=3 m=51
